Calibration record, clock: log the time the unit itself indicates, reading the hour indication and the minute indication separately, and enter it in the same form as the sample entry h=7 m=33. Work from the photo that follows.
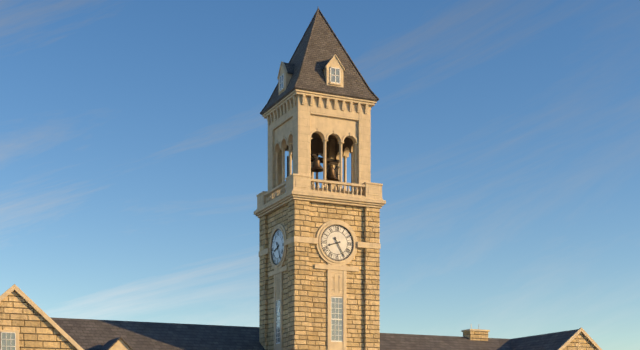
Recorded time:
h=8 m=25
